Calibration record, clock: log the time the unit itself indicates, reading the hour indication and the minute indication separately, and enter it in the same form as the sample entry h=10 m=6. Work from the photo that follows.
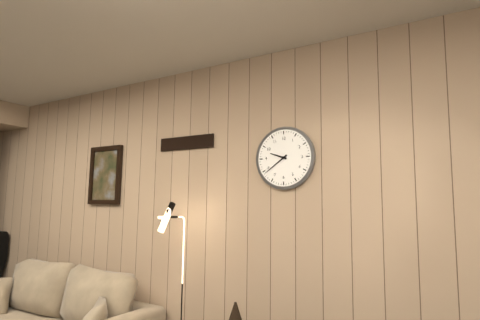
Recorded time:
h=9 m=39
